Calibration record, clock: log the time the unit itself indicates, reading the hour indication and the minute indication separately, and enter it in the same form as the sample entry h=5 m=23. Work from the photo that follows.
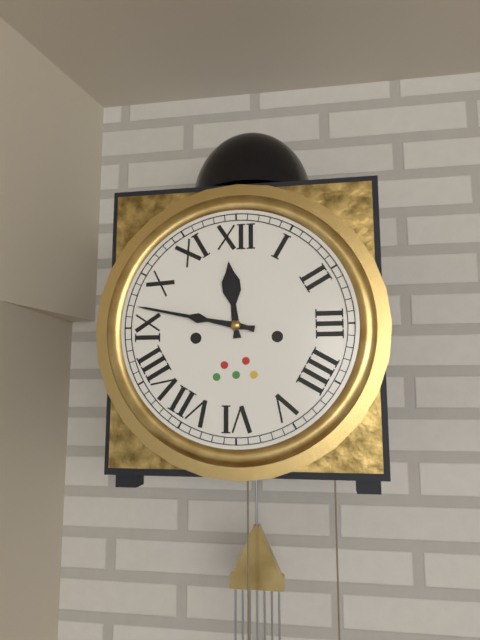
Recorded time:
h=11 m=47
